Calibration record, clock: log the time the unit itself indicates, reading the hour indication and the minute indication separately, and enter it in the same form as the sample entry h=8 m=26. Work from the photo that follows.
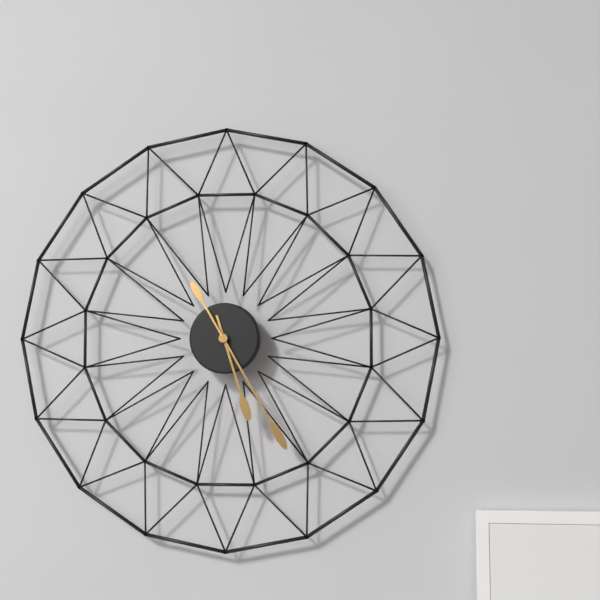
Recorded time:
h=5 m=25
